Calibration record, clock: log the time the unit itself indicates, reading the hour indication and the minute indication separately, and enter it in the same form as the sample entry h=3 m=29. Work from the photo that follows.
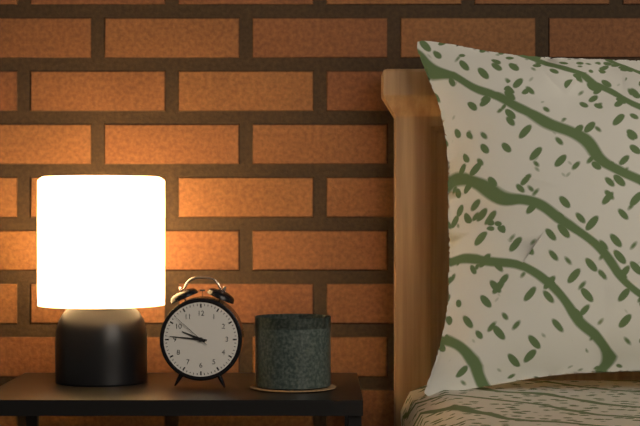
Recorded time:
h=9 m=46
